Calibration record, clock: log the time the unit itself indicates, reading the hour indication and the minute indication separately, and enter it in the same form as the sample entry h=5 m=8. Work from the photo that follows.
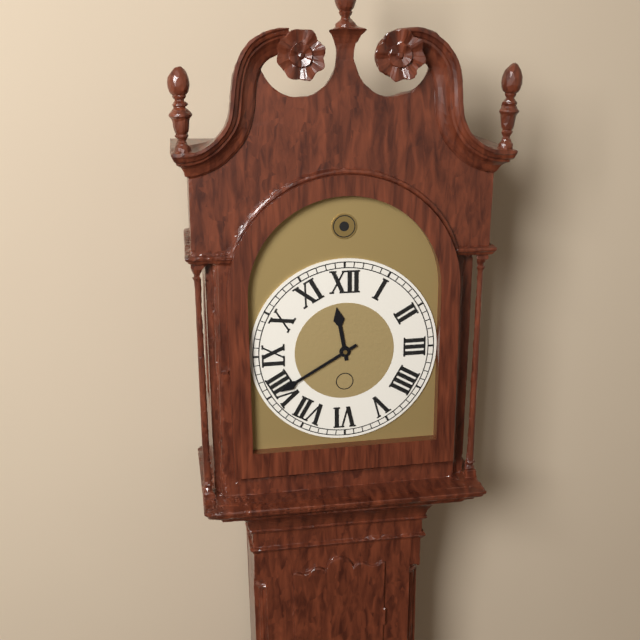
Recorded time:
h=11 m=40
